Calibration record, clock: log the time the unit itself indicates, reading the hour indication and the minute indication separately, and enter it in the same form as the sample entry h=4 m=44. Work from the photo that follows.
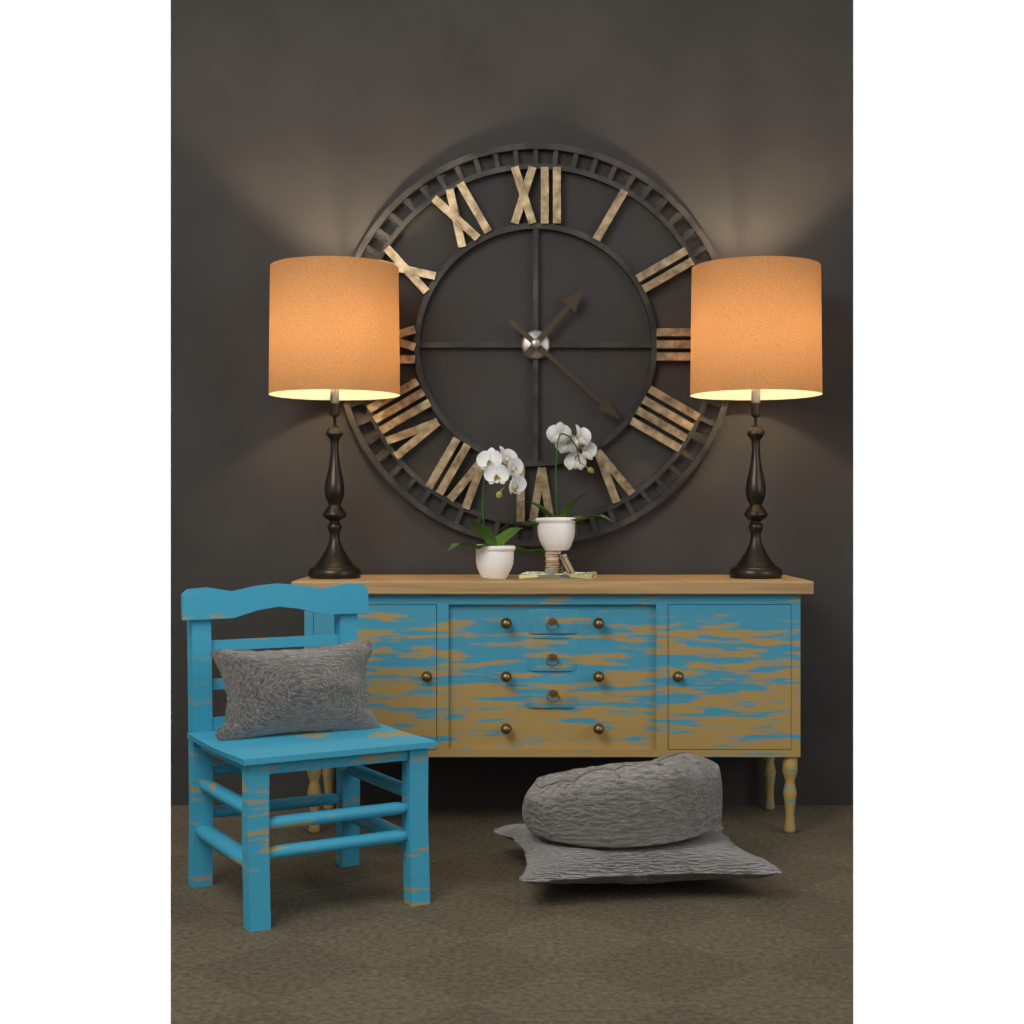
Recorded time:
h=1 m=22
